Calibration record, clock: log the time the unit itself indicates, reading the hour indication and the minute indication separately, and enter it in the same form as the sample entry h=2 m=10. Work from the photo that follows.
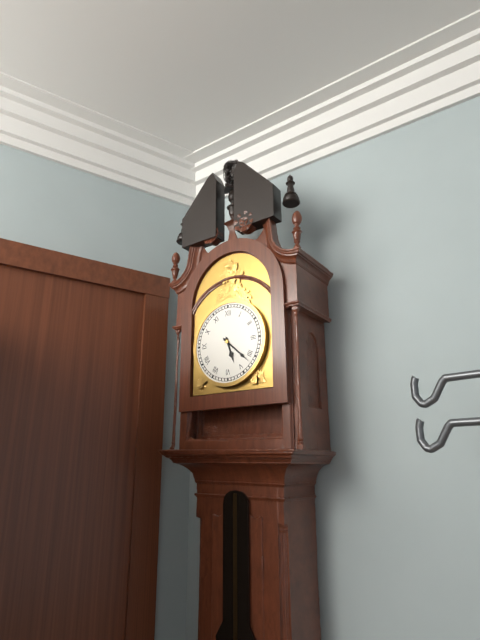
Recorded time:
h=5 m=22
